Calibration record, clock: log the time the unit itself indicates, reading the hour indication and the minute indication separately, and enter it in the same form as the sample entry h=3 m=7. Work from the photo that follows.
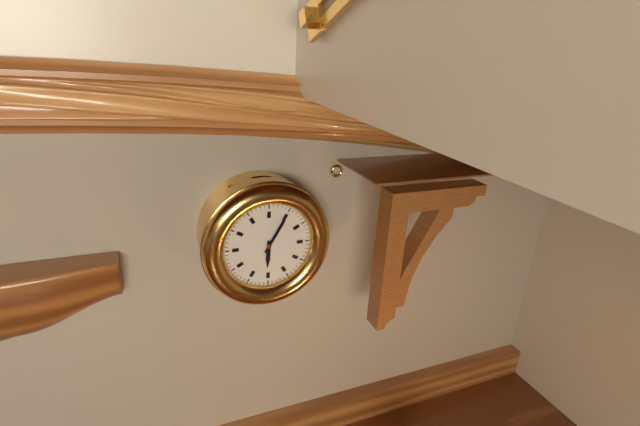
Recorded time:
h=6 m=5
